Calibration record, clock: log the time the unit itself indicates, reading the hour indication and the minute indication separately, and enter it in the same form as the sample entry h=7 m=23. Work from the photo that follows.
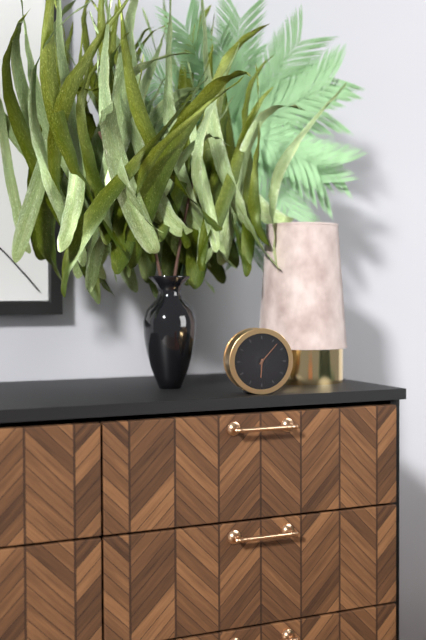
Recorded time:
h=6 m=7
